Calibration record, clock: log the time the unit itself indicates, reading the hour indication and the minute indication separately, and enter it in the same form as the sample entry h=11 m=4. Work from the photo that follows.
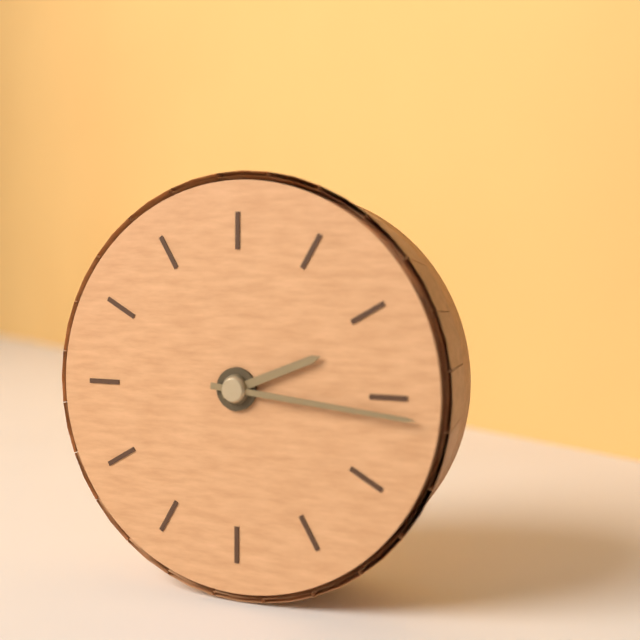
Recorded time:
h=2 m=16
